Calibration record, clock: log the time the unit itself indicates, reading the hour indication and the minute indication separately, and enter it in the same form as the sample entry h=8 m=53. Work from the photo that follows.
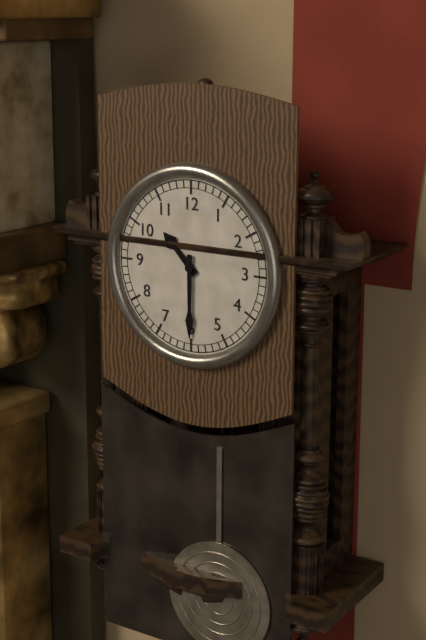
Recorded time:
h=10 m=30
